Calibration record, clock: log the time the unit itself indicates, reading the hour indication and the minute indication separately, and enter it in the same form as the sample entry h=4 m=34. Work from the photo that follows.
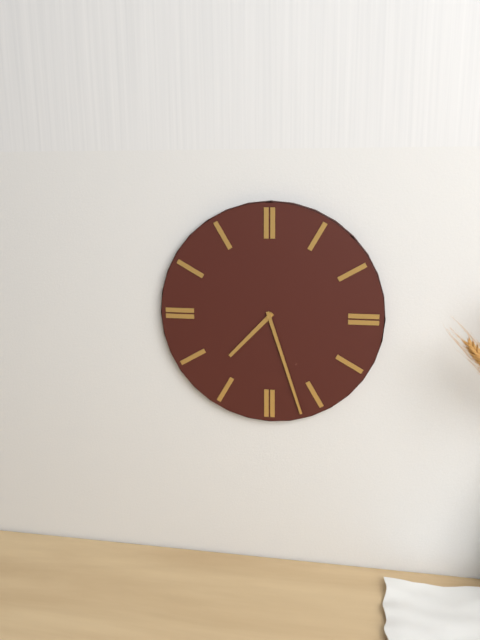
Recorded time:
h=7 m=27
